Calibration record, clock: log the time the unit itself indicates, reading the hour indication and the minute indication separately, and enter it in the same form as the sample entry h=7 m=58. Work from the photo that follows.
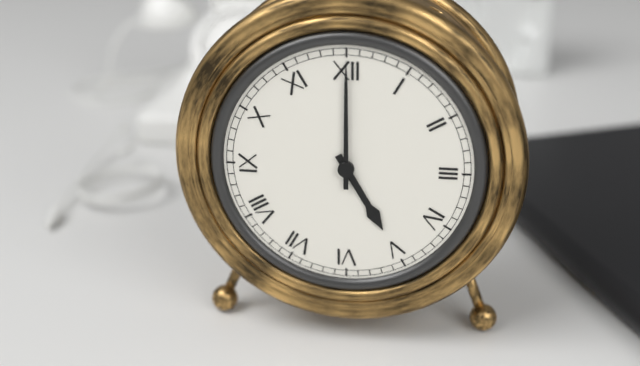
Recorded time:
h=5 m=0
